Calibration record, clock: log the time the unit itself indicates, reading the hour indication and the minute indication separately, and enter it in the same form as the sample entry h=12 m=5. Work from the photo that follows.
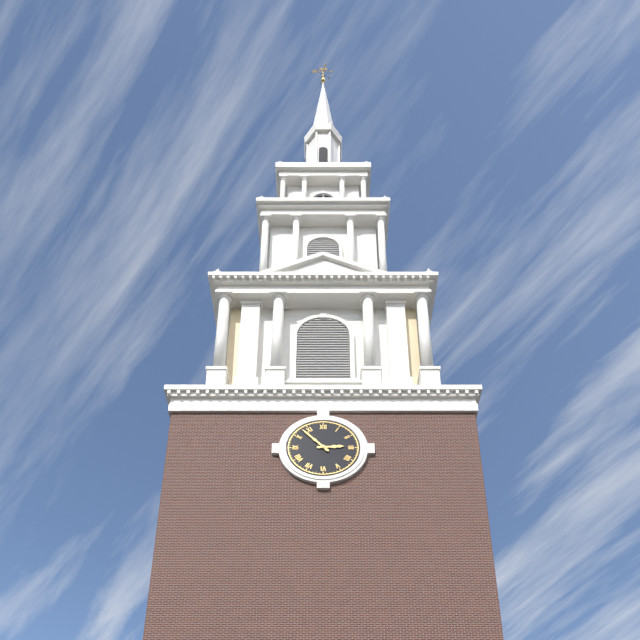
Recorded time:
h=2 m=53
